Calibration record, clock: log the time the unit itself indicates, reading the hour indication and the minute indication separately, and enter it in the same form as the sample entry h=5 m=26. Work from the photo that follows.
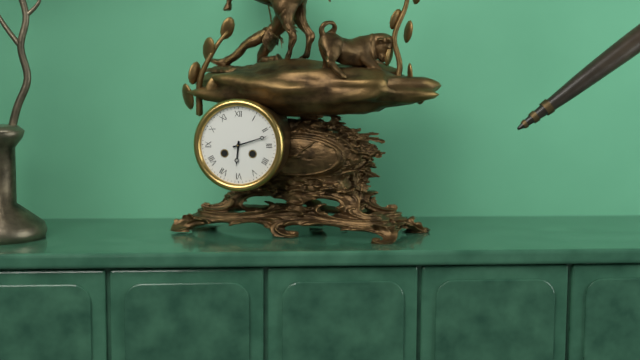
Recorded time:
h=6 m=12
